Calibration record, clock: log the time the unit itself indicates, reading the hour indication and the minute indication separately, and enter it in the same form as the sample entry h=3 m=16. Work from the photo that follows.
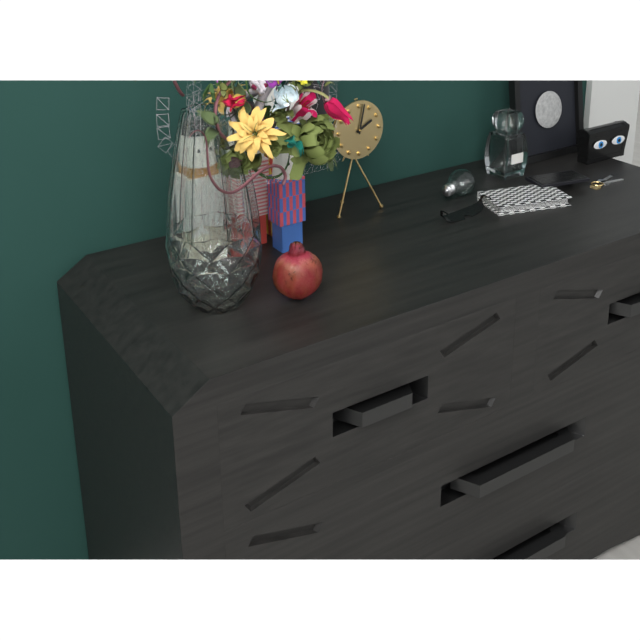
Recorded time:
h=2 m=2
